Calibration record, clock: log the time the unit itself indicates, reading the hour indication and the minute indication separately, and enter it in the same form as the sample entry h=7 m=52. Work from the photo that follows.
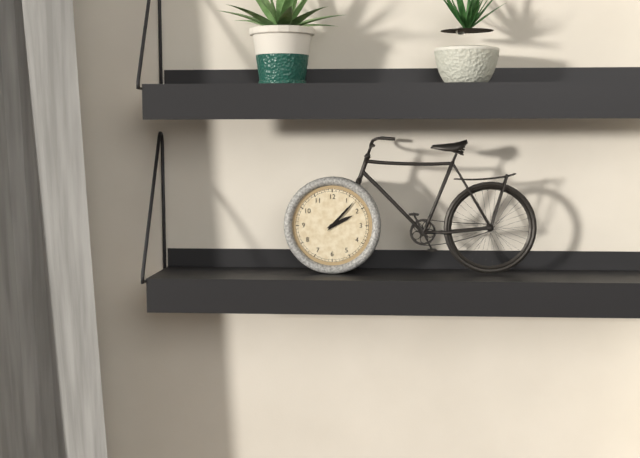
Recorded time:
h=2 m=7
